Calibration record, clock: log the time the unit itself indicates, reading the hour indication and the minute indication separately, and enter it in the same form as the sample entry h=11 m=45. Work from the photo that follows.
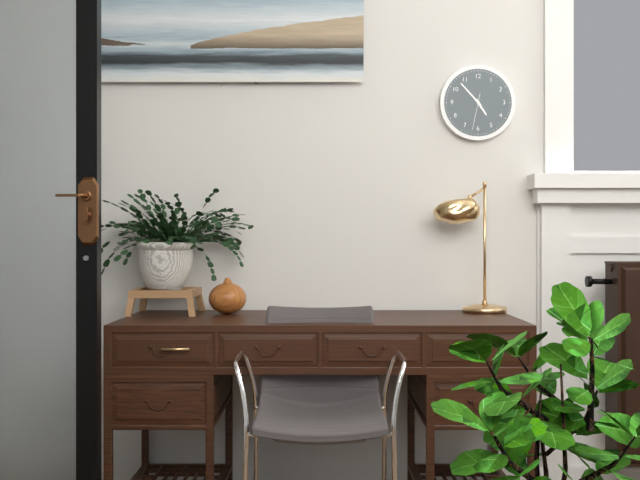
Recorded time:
h=4 m=53
